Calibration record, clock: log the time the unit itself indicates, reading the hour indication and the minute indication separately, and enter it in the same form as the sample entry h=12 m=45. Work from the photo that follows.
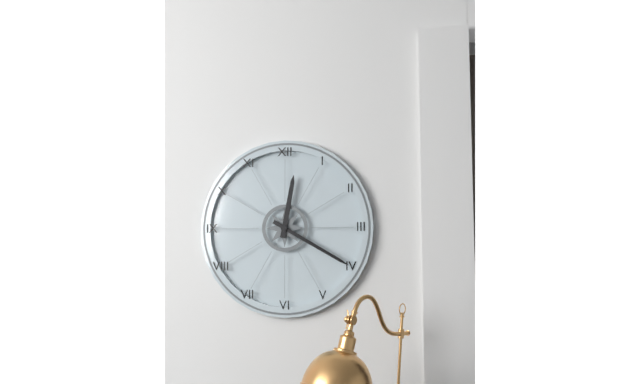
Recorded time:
h=12 m=20
